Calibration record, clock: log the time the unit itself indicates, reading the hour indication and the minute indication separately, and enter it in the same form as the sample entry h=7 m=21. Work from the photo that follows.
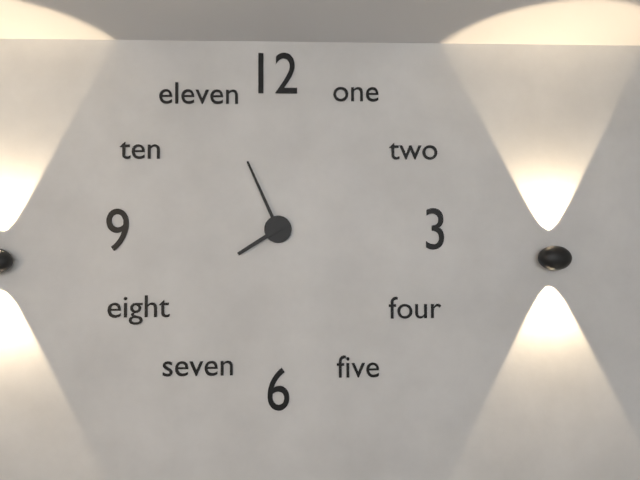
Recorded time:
h=7 m=56
